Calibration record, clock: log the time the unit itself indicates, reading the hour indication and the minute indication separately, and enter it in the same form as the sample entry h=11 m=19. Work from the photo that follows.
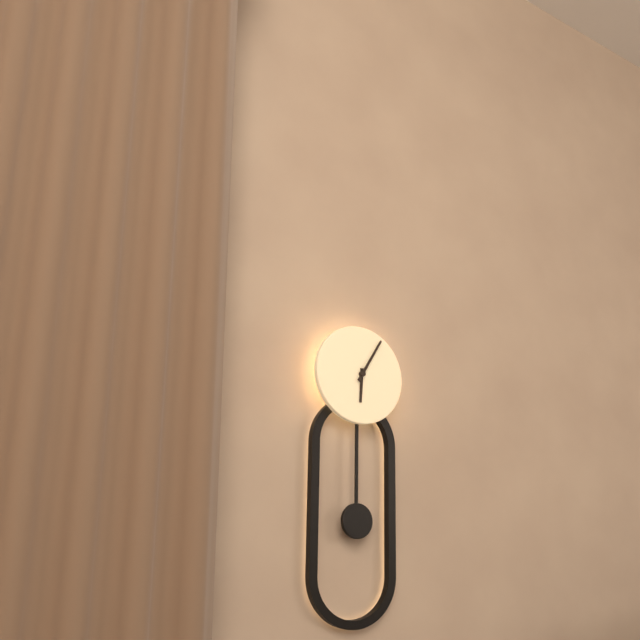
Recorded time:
h=6 m=5
